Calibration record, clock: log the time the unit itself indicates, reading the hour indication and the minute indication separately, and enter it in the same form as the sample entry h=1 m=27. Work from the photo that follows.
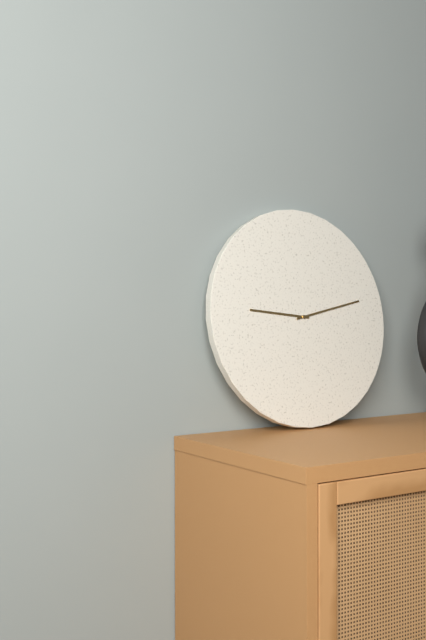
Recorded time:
h=9 m=13
